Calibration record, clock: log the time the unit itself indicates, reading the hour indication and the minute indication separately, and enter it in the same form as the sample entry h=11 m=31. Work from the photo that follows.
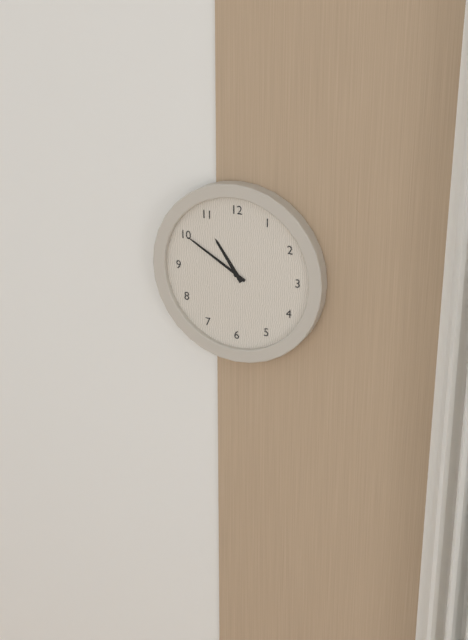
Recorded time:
h=10 m=50
